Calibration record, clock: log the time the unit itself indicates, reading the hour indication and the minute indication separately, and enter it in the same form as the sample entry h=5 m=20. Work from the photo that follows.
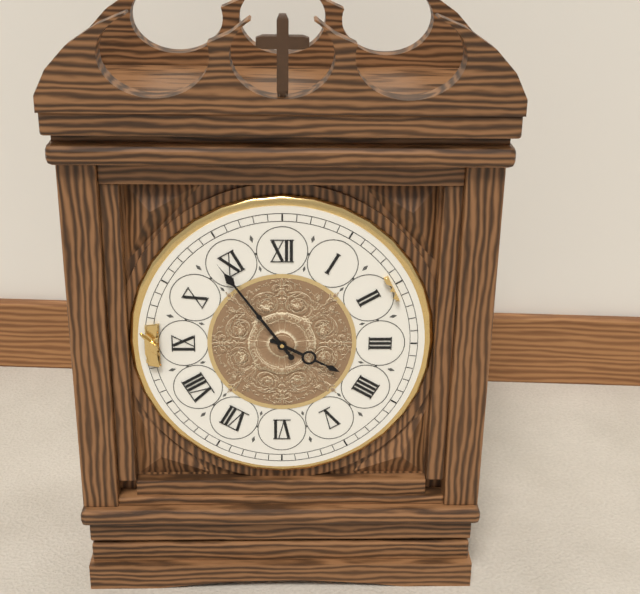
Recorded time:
h=3 m=54
